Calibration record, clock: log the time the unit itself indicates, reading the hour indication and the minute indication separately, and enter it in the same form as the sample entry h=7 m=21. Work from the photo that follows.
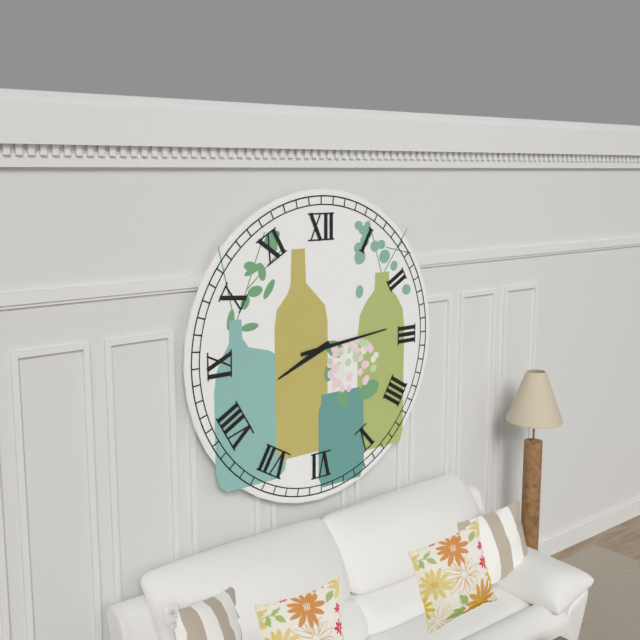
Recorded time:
h=8 m=14
